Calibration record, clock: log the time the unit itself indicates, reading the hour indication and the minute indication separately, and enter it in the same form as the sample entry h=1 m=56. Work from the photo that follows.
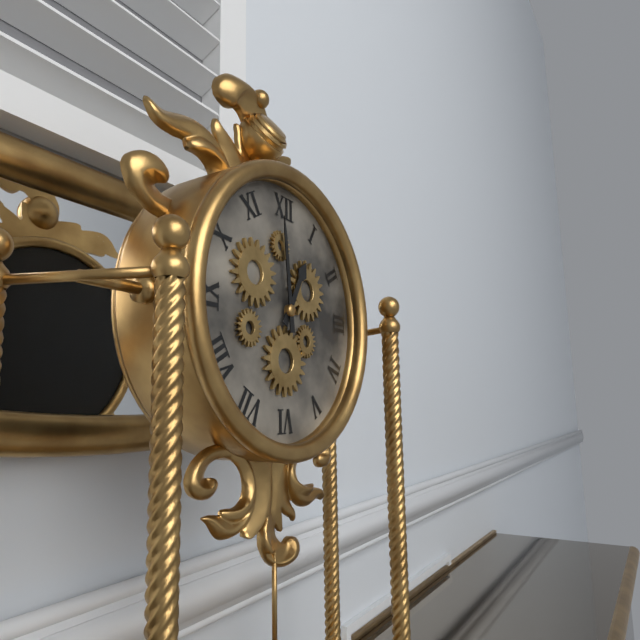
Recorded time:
h=12 m=59
